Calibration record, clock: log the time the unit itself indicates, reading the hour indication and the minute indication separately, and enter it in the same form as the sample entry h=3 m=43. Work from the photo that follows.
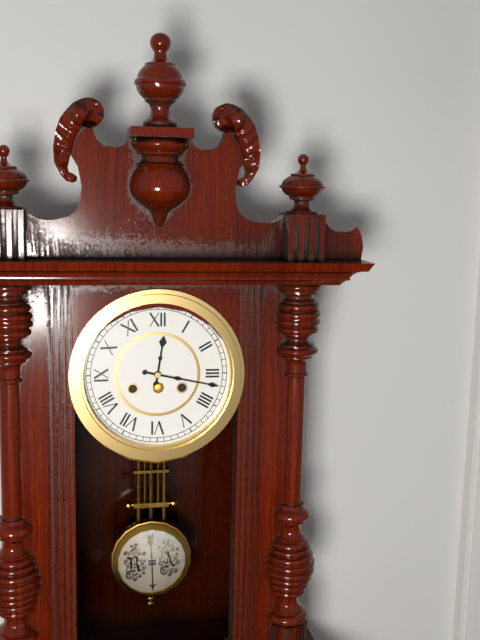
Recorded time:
h=12 m=17
